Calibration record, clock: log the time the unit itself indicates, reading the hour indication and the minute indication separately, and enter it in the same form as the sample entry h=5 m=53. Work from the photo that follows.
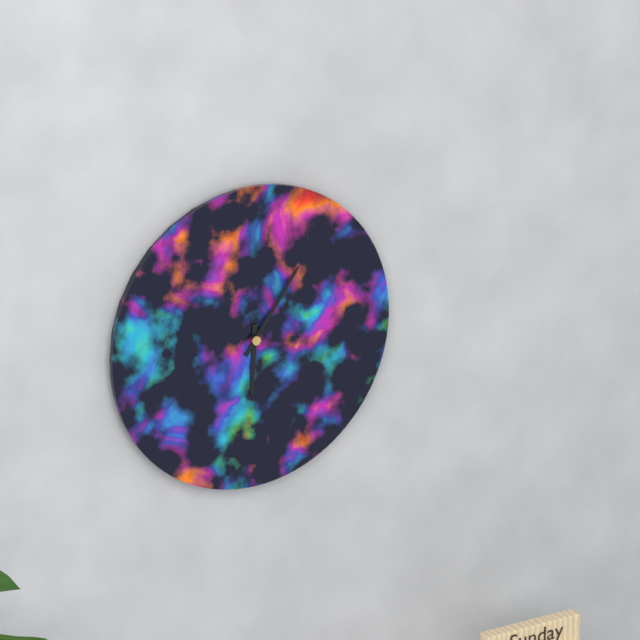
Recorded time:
h=6 m=6
